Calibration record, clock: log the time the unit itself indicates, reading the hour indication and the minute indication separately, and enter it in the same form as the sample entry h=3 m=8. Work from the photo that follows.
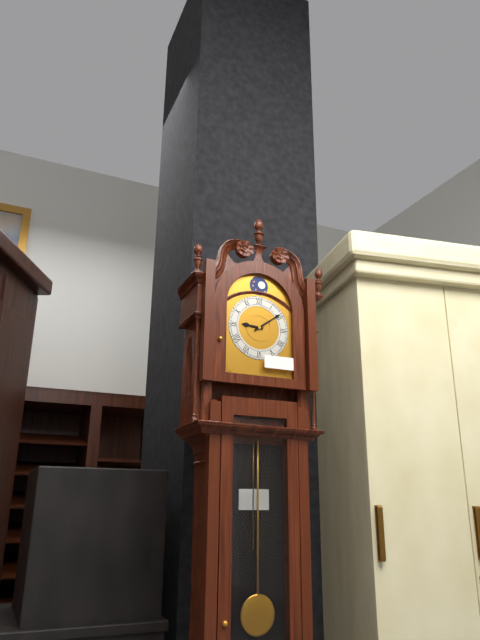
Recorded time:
h=9 m=9
